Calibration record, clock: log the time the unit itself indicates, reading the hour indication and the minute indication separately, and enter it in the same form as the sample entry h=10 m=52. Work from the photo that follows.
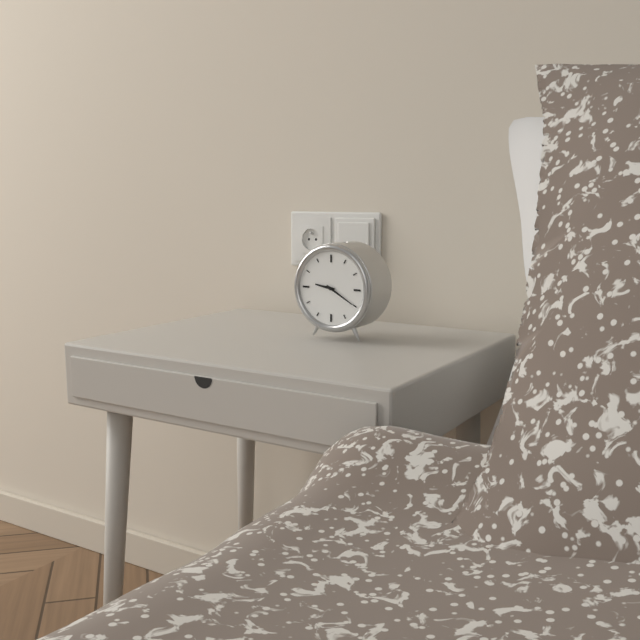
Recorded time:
h=9 m=20
